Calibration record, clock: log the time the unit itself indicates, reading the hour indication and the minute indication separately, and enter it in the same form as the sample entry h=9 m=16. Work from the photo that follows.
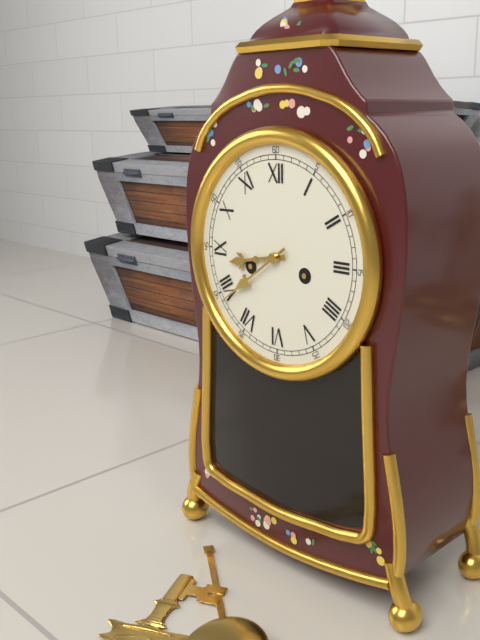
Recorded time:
h=8 m=39
